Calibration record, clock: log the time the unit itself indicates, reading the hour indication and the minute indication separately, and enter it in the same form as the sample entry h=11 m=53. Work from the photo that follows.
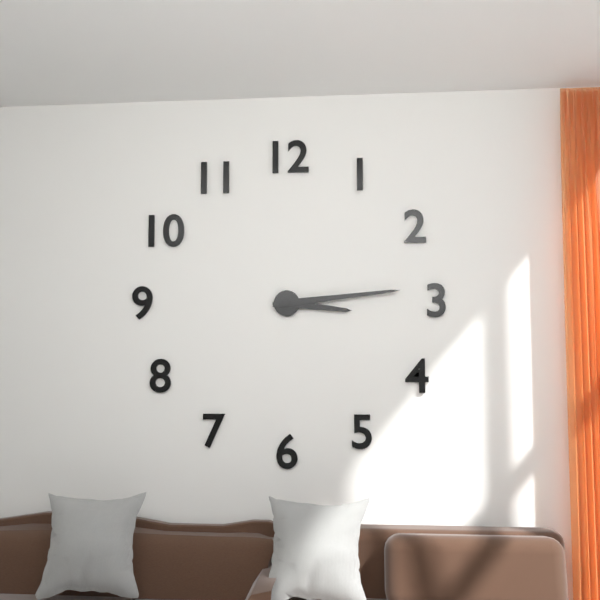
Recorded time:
h=3 m=14
